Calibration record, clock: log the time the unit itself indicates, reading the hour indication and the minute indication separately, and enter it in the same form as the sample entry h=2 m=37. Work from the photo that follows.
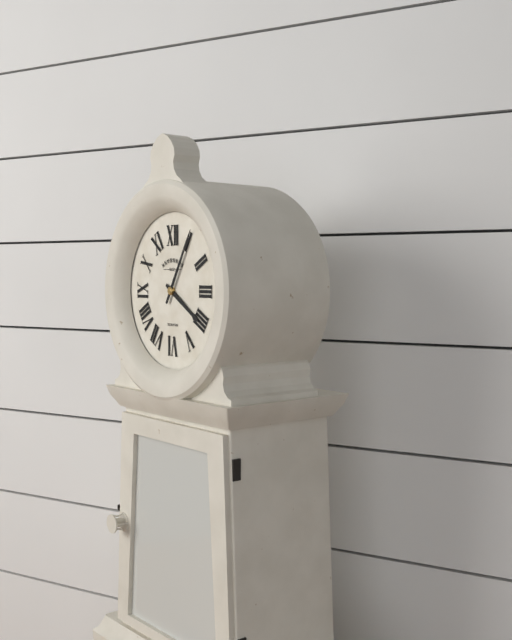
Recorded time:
h=4 m=5
